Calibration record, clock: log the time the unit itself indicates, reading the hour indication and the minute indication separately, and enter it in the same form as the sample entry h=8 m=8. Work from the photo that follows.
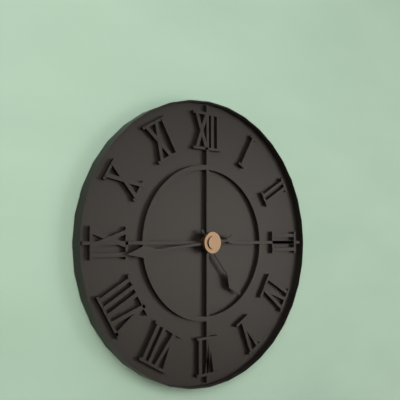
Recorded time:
h=4 m=44
